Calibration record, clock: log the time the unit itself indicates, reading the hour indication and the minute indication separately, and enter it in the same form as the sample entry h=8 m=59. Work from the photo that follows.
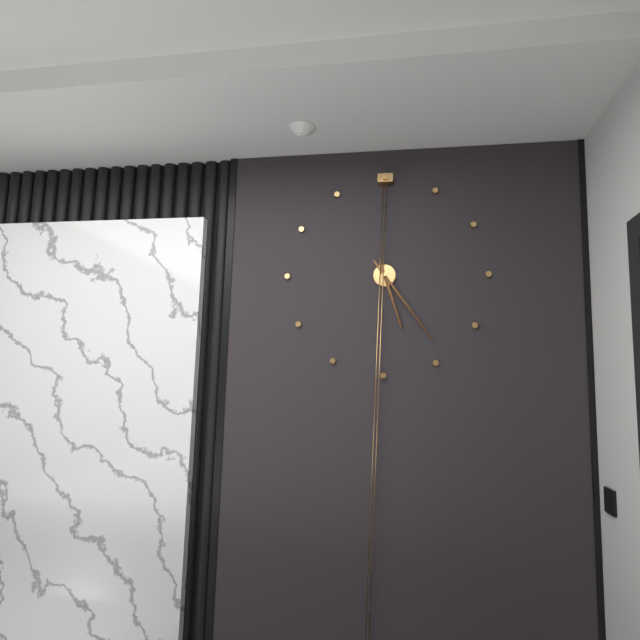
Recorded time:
h=5 m=24
